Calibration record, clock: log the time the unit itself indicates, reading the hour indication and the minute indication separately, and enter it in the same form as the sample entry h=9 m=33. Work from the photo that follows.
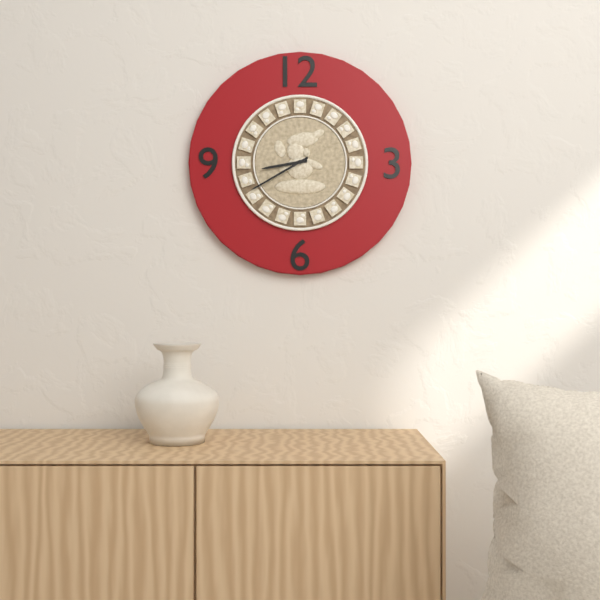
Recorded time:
h=8 m=40
